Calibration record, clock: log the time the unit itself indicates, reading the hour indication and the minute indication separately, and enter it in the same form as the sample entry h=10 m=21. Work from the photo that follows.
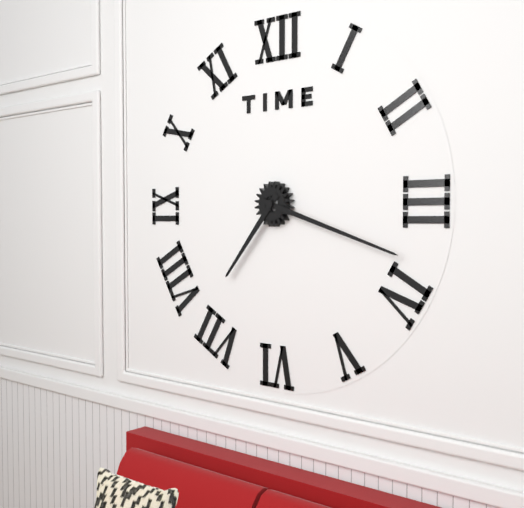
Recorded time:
h=7 m=18
